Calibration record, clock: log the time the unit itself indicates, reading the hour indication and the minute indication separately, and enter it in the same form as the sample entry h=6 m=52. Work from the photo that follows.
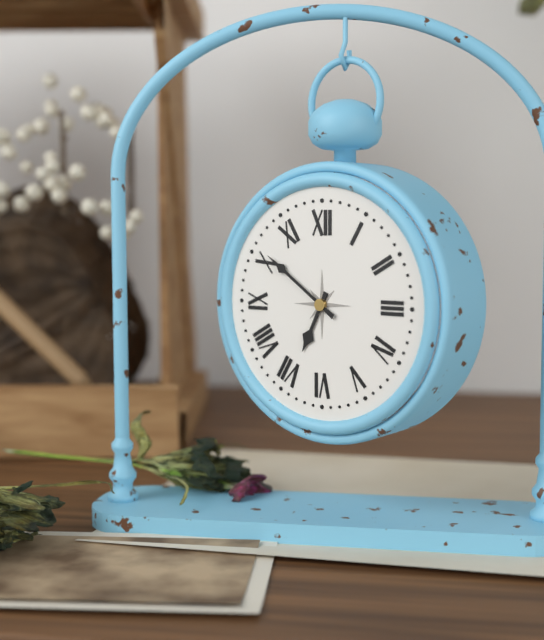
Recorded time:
h=6 m=51
